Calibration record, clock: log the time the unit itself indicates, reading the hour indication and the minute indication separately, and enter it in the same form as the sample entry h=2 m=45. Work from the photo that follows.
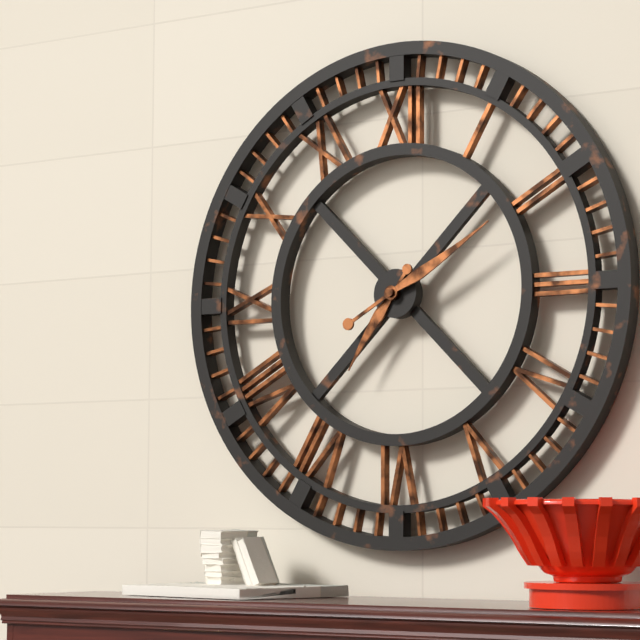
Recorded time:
h=7 m=10
